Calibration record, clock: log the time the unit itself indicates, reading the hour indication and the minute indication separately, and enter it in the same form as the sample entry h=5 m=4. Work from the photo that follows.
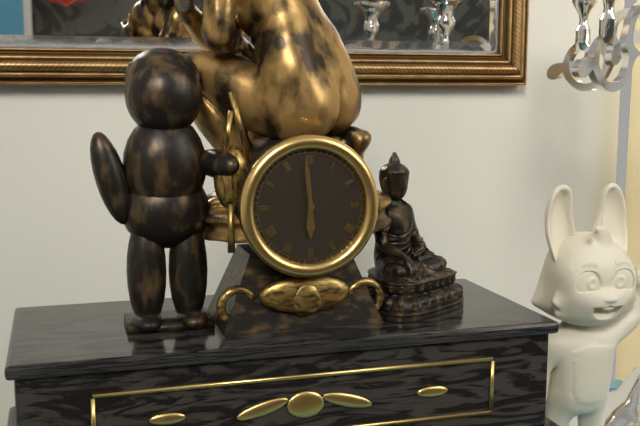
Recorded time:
h=5 m=59
